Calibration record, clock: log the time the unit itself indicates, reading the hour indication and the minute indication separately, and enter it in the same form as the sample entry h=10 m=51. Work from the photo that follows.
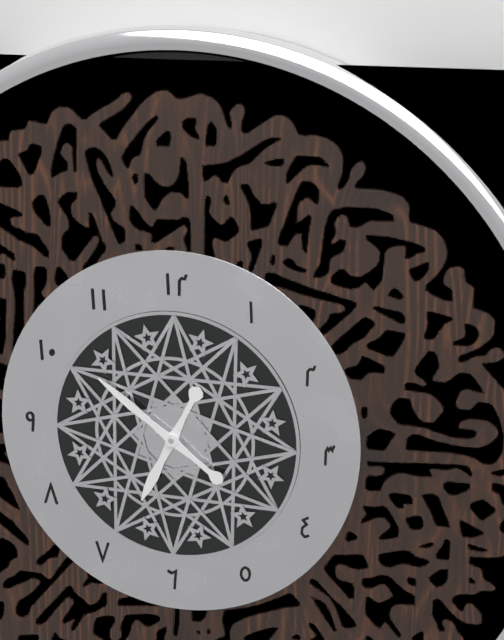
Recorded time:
h=6 m=51
